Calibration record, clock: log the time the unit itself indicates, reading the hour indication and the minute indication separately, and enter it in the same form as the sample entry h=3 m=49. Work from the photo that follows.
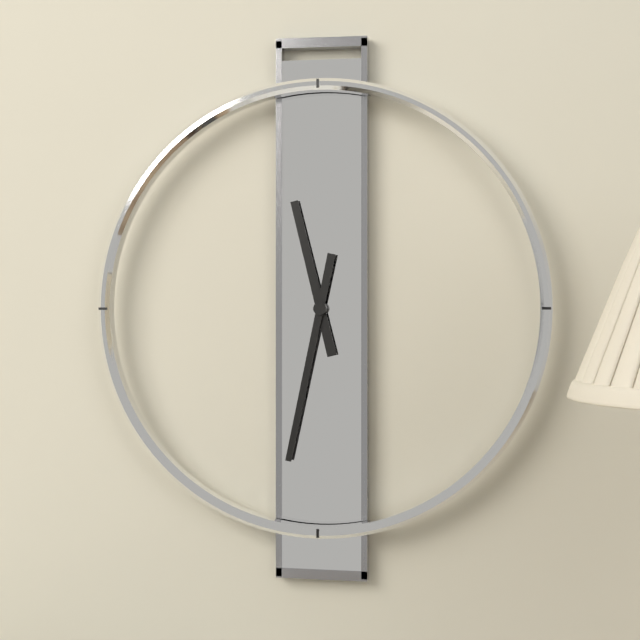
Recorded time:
h=11 m=32
